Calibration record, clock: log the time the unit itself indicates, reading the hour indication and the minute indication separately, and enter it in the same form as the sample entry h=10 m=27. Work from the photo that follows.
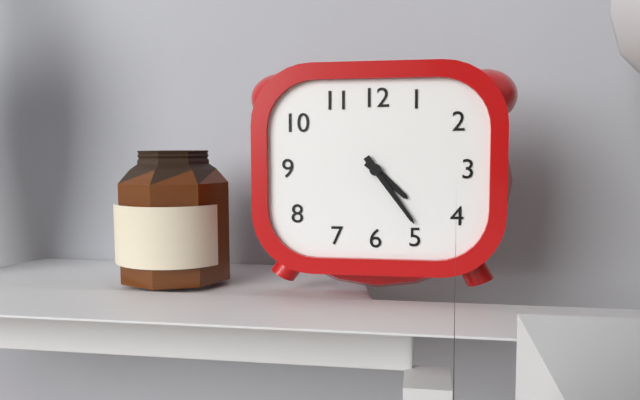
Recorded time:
h=4 m=24
